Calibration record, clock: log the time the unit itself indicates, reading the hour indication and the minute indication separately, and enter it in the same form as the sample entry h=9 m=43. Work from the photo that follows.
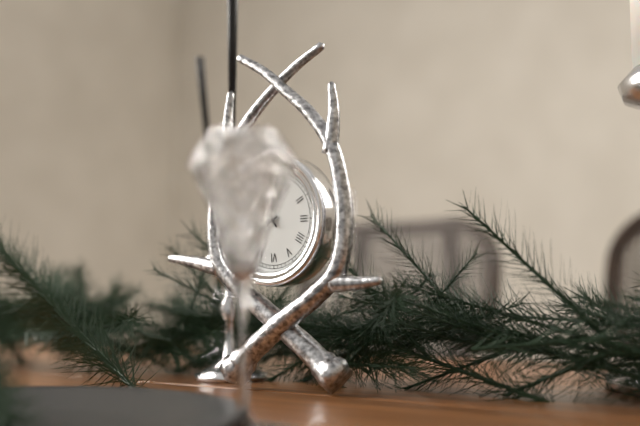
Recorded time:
h=7 m=54
